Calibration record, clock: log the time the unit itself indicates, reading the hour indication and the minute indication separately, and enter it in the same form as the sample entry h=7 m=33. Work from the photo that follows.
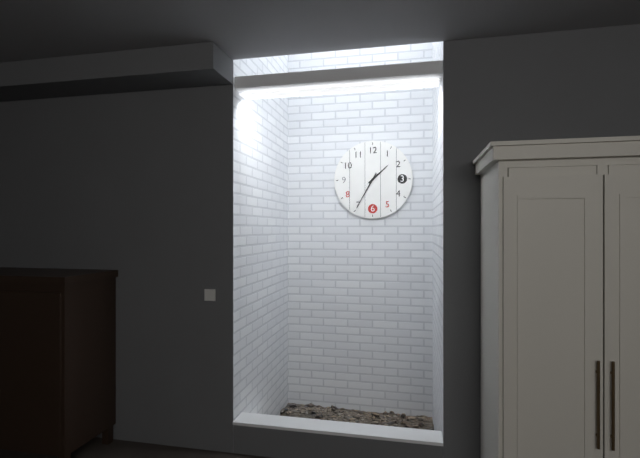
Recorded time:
h=1 m=35
